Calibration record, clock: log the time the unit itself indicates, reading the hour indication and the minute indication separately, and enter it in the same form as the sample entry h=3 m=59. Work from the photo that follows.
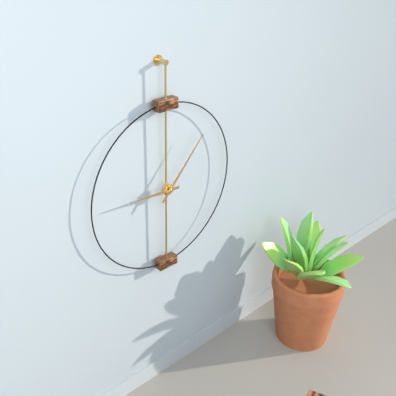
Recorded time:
h=9 m=7
